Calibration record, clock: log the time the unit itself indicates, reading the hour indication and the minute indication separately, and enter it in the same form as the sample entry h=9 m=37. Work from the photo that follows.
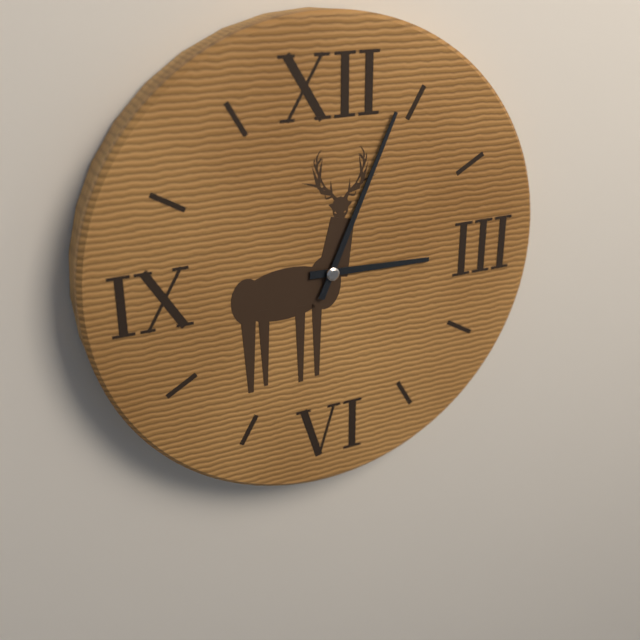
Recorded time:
h=3 m=4
